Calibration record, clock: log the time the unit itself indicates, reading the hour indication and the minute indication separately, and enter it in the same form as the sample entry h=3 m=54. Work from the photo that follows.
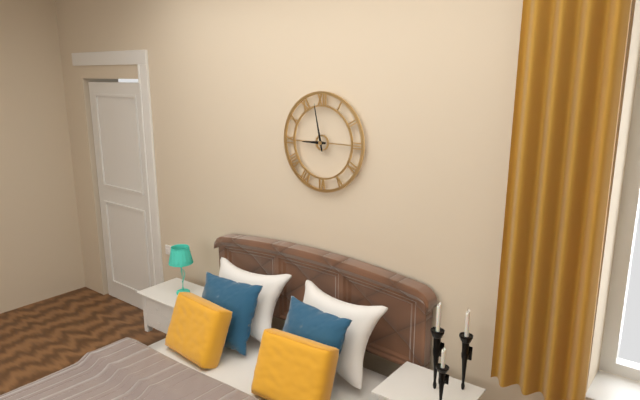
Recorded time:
h=8 m=58
